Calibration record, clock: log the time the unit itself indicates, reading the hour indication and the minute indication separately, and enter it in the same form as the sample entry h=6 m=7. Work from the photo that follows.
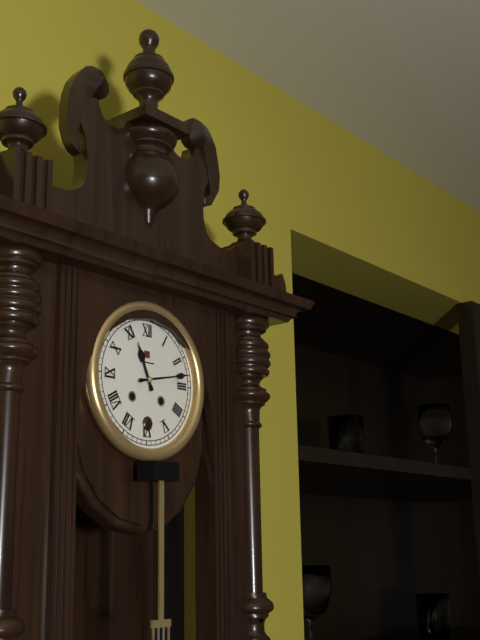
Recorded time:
h=11 m=13
